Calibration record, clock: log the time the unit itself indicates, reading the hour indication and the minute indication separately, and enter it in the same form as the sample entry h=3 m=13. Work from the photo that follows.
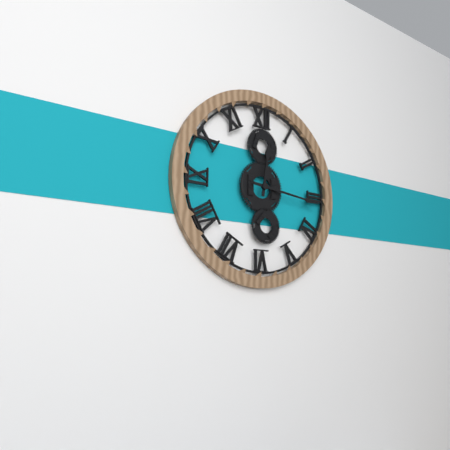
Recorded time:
h=12 m=16
